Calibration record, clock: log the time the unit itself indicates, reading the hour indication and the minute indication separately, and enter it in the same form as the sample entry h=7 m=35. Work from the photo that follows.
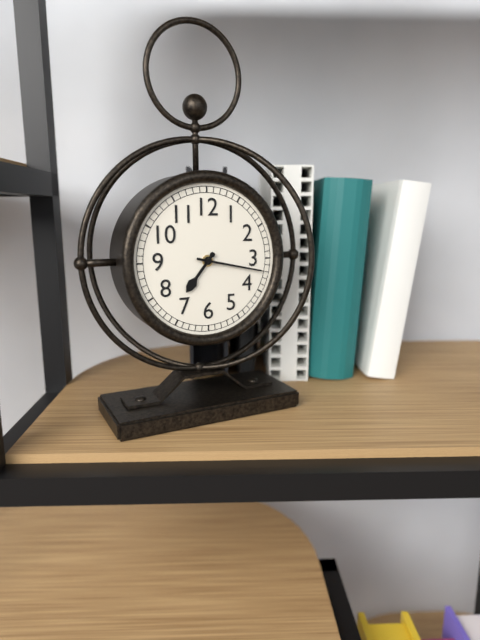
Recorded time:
h=7 m=17
